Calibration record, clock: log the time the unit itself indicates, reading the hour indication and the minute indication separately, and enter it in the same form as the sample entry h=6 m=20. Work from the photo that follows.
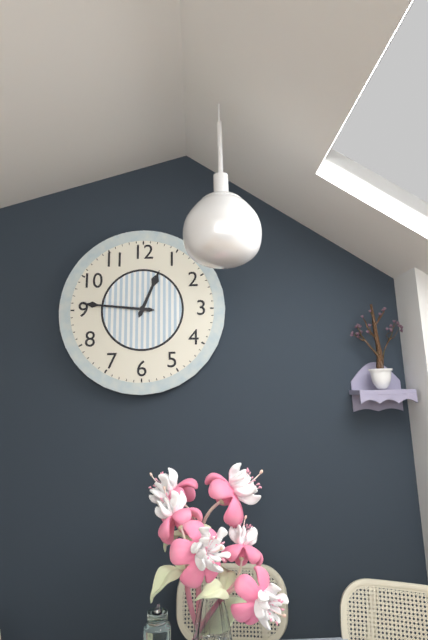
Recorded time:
h=12 m=46
